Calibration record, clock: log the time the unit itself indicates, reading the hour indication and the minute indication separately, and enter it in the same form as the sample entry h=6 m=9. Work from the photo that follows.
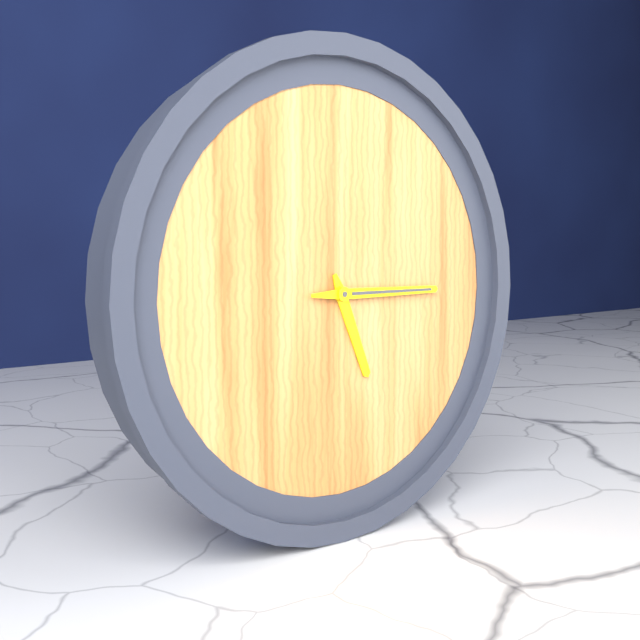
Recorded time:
h=5 m=15
